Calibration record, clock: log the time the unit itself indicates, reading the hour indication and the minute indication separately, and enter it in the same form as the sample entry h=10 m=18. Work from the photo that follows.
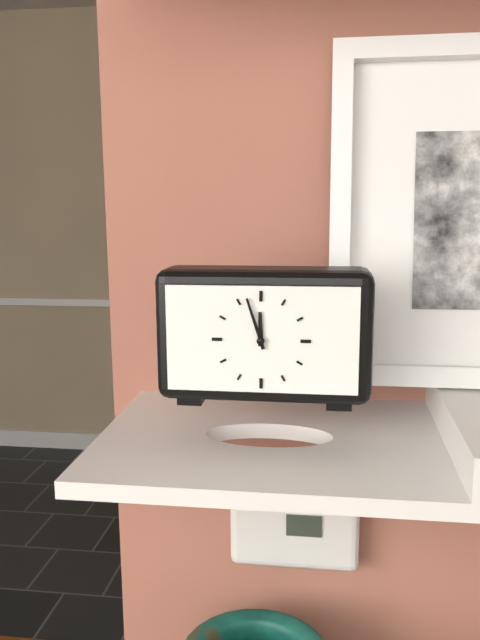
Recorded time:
h=11 m=57
